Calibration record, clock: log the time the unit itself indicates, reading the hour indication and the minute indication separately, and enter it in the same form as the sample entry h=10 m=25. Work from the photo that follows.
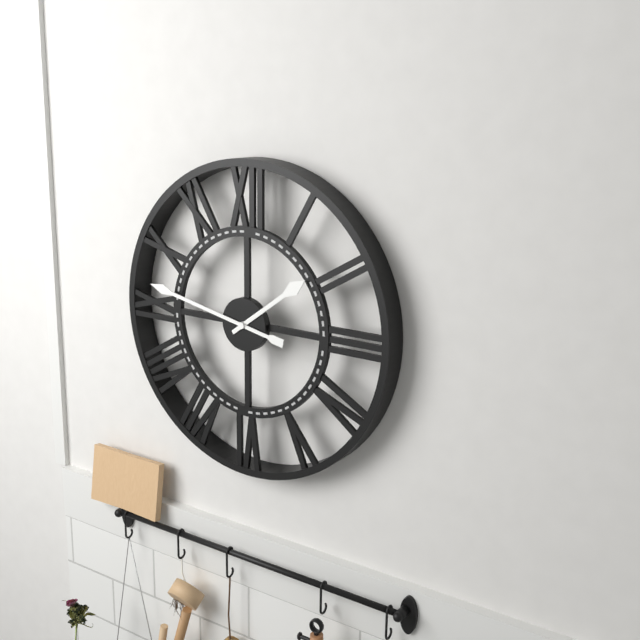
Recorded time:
h=1 m=47
